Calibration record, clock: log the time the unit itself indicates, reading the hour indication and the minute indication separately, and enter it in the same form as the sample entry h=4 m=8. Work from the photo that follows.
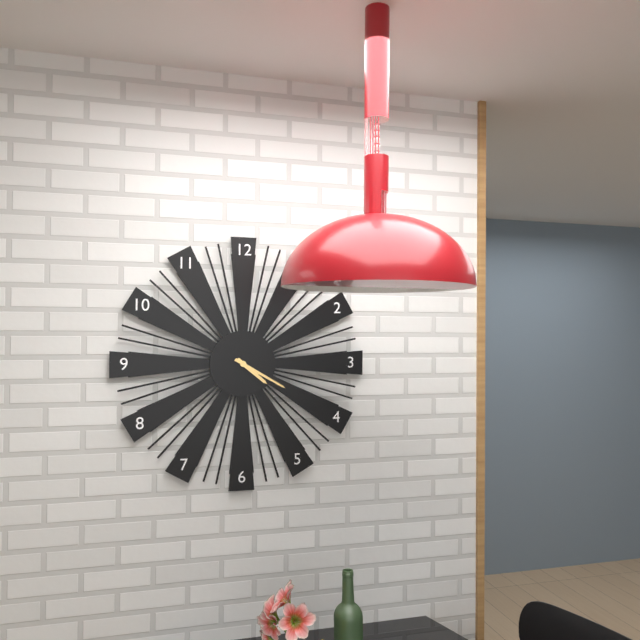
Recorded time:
h=4 m=20
